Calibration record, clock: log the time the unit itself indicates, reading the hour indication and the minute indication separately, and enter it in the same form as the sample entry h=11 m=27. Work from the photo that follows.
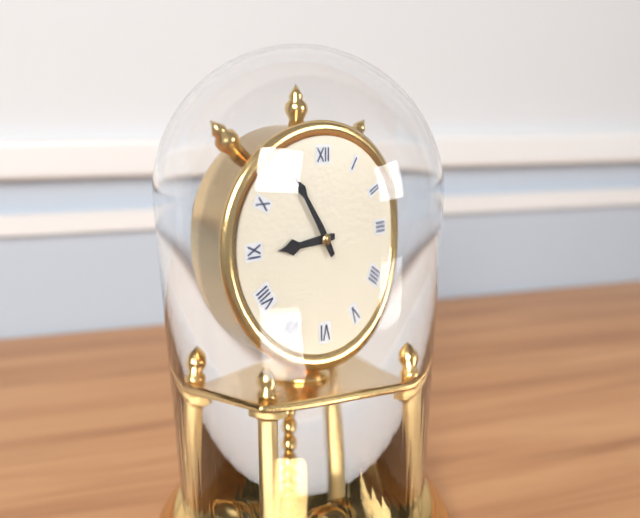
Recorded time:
h=8 m=55
